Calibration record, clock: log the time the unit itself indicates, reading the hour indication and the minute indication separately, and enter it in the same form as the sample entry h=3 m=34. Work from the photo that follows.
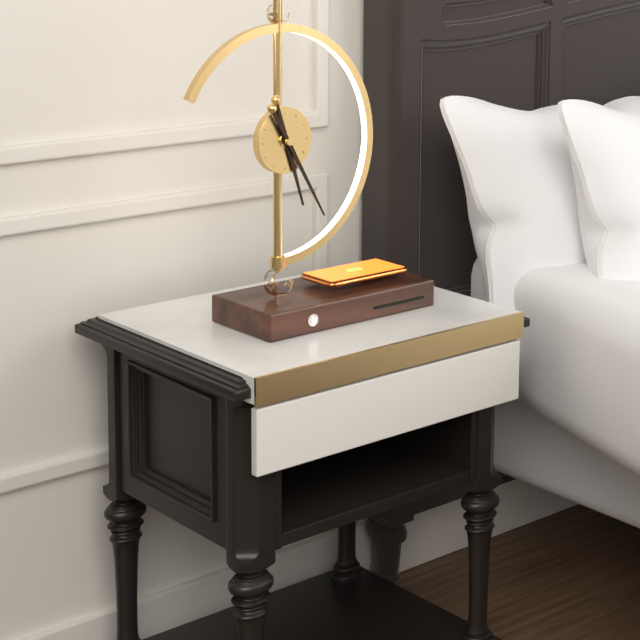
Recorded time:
h=5 m=25
